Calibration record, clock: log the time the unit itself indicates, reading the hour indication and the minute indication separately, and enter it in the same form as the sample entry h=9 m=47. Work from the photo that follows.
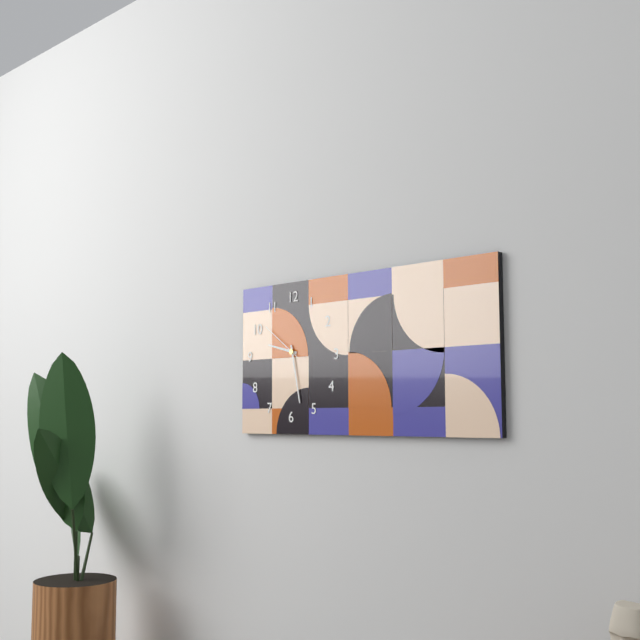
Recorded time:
h=9 m=28
